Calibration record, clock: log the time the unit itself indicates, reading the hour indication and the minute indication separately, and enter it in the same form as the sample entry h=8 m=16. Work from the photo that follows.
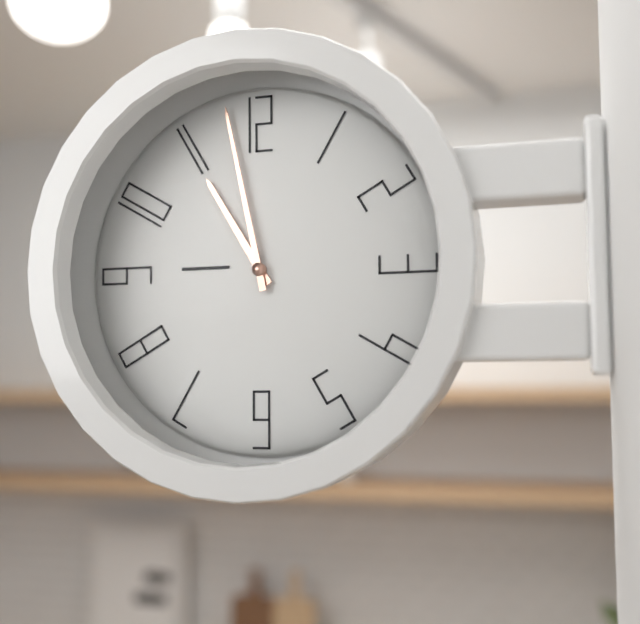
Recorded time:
h=10 m=58
